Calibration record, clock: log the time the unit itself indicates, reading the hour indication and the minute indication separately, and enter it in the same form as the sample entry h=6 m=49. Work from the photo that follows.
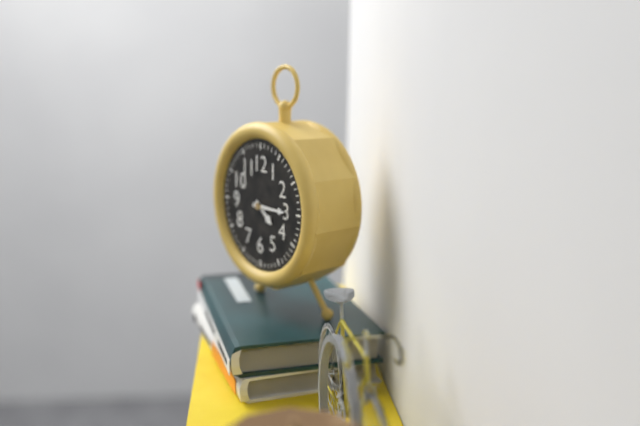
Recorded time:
h=4 m=15
